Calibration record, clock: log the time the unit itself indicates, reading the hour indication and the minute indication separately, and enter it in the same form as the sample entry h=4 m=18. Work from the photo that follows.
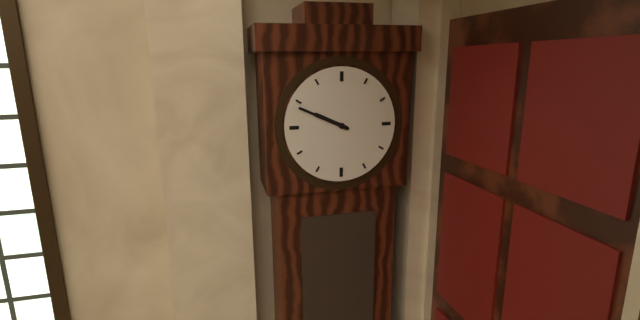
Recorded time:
h=9 m=49
